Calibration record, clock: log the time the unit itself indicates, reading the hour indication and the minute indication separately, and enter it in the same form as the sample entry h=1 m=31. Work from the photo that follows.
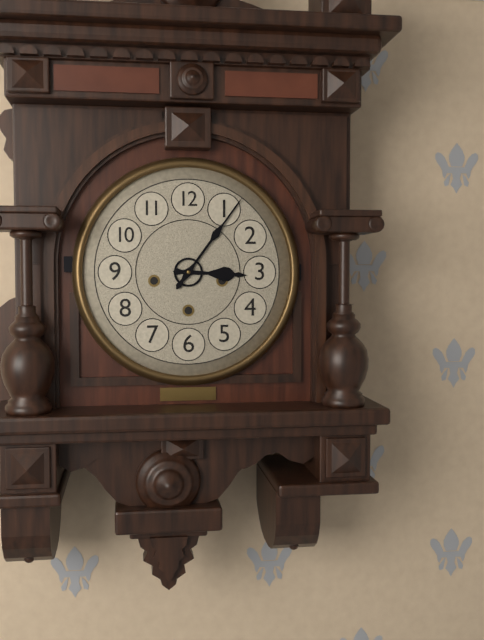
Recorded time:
h=3 m=6
